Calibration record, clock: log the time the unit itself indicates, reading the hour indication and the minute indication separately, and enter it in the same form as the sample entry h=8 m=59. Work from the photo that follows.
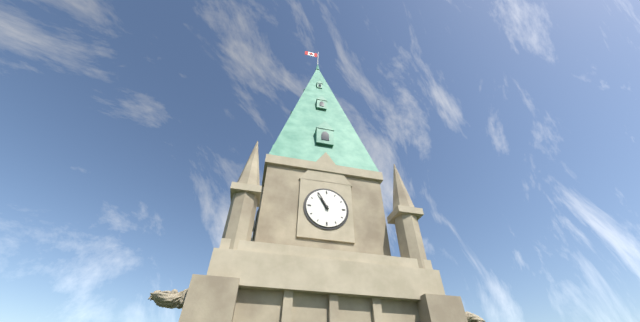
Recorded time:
h=10 m=55
